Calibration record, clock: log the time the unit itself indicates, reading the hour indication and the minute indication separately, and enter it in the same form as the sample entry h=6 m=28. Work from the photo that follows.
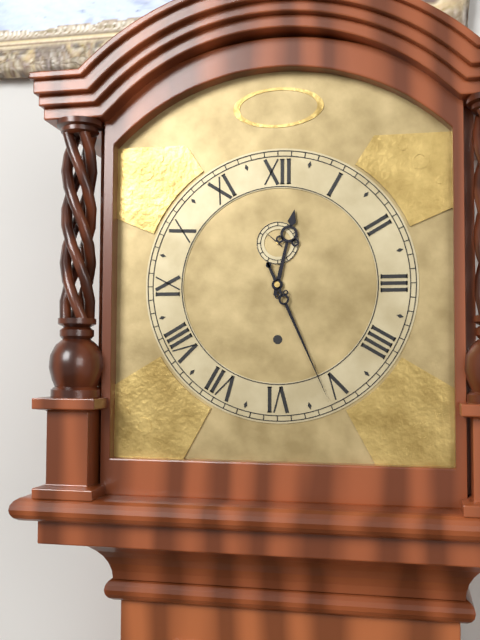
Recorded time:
h=12 m=26
